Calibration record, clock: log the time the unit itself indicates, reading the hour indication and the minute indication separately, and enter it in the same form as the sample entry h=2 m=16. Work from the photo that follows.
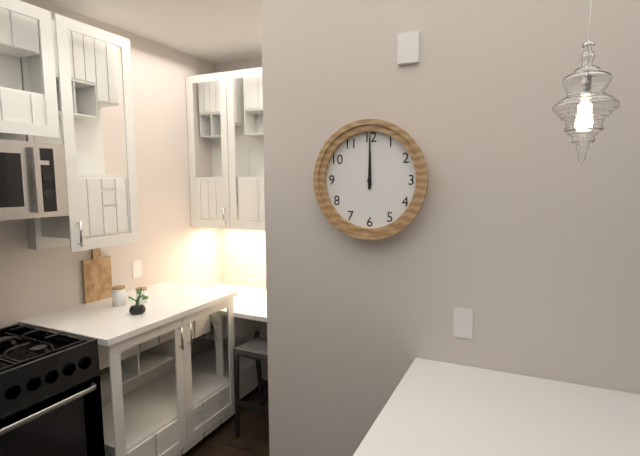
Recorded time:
h=12 m=0
